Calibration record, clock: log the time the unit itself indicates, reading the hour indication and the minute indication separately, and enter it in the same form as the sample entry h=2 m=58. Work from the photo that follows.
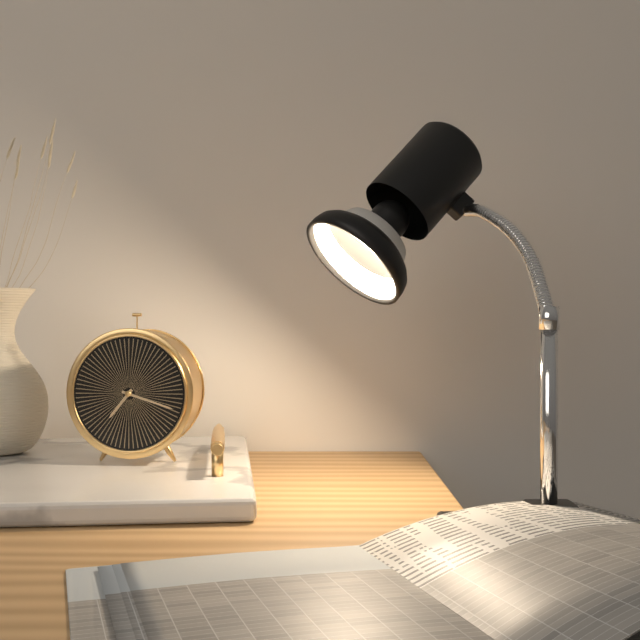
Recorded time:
h=7 m=18
